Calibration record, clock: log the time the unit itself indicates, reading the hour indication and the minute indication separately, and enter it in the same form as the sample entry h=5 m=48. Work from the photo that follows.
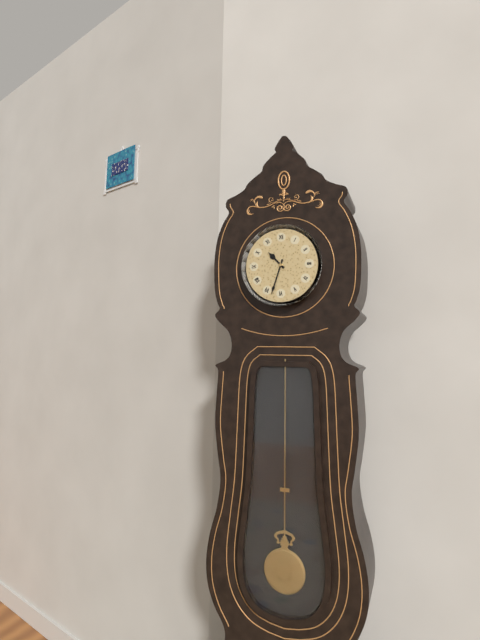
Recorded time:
h=10 m=33
